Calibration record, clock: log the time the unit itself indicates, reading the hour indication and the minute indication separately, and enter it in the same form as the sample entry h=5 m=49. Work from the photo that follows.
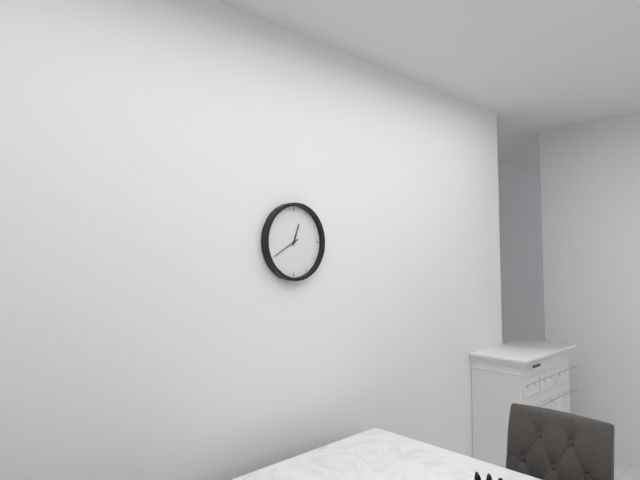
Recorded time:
h=12 m=40
